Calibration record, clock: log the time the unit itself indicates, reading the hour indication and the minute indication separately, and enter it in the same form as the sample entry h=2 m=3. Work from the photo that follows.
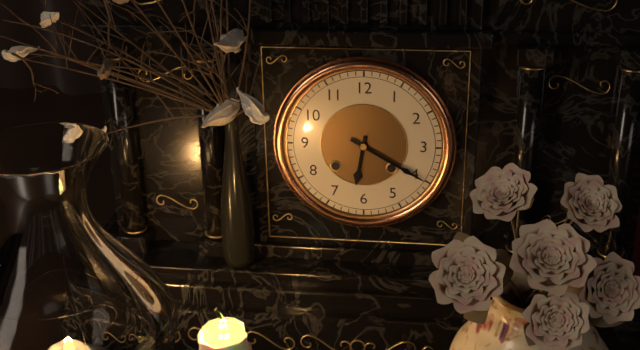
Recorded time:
h=6 m=20
